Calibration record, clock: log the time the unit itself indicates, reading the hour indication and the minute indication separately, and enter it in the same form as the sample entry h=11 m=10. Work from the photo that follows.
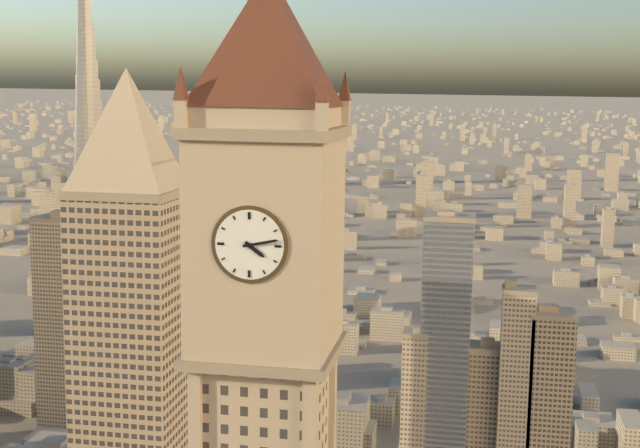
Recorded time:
h=4 m=13
